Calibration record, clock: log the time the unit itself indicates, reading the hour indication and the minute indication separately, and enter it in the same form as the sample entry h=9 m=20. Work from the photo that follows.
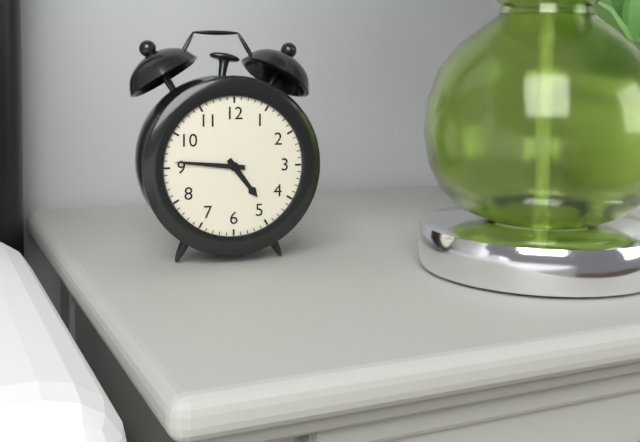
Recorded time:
h=4 m=46
